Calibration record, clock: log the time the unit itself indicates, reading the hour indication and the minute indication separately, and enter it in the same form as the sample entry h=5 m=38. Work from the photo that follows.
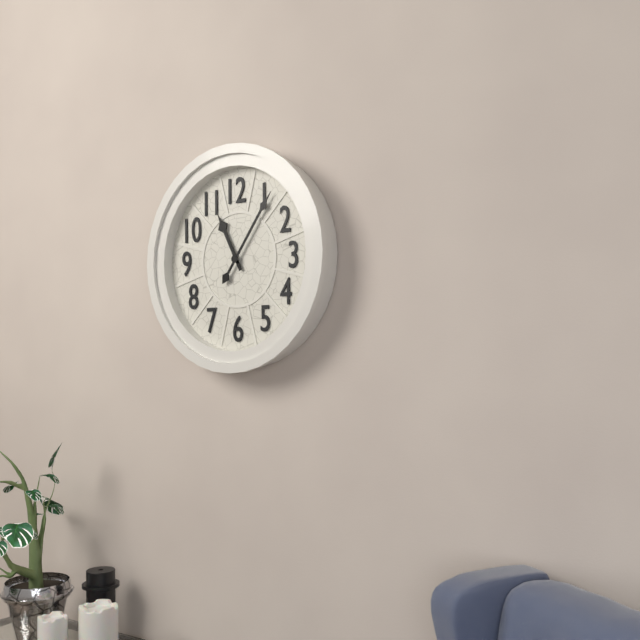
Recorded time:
h=11 m=6
